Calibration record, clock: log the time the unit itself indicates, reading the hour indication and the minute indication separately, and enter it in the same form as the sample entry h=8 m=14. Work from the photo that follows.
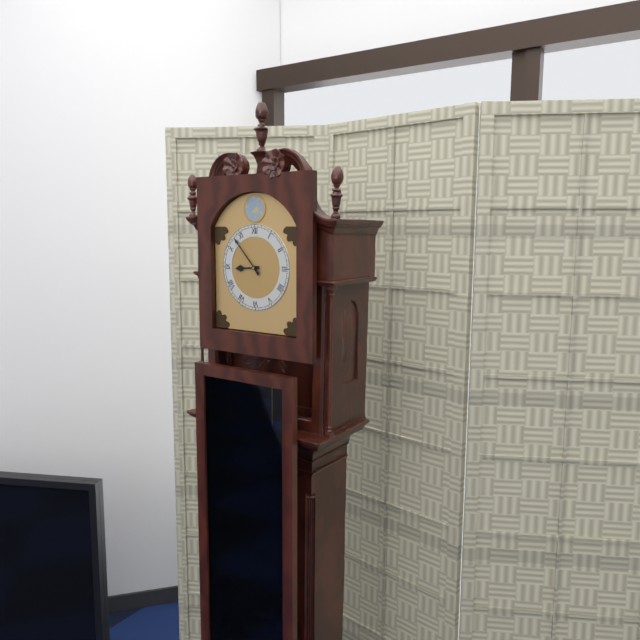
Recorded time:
h=8 m=53
